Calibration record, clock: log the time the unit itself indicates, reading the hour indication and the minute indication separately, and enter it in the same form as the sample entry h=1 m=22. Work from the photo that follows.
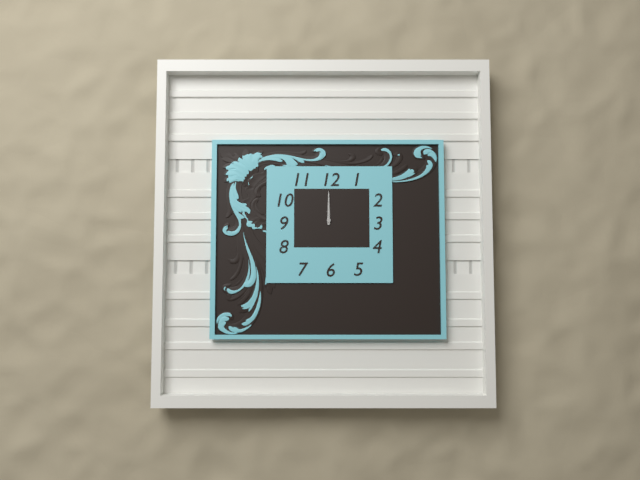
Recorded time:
h=12 m=0
